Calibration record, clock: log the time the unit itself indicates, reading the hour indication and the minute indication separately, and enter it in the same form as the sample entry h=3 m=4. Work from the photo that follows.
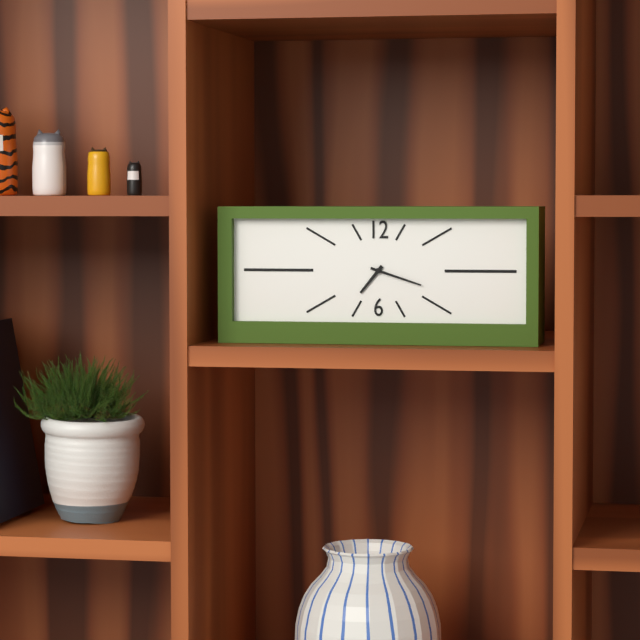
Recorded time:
h=7 m=18
